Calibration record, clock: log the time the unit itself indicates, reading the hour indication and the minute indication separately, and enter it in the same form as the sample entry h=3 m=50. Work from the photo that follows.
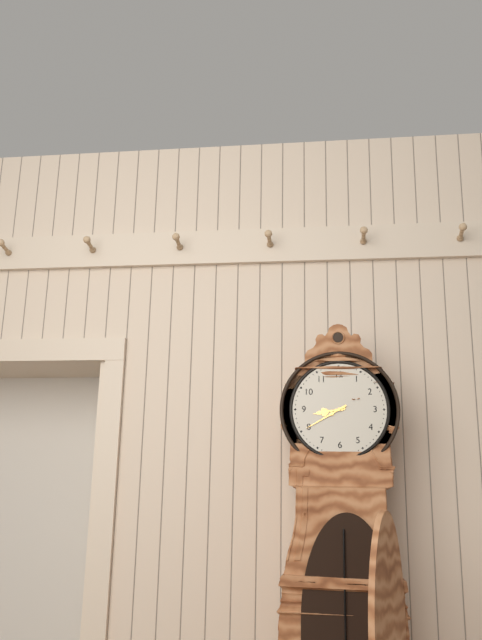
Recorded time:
h=8 m=40
